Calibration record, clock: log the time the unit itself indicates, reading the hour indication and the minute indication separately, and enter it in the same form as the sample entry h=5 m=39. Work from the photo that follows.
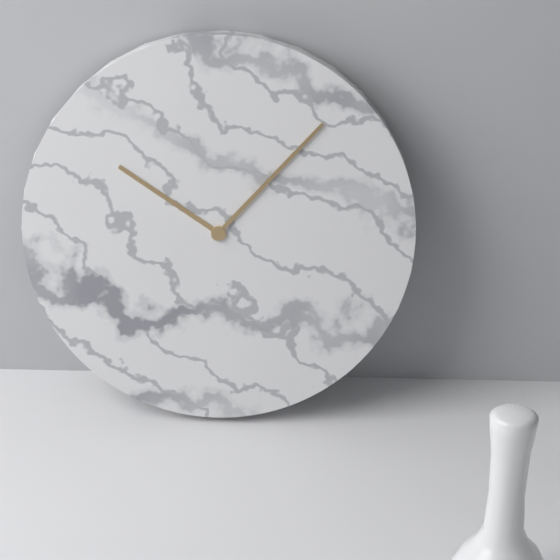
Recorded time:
h=10 m=7
